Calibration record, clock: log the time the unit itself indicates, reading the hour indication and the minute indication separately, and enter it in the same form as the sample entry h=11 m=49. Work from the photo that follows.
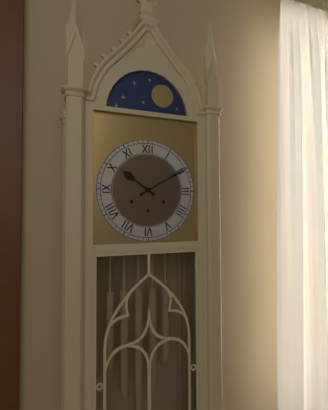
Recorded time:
h=10 m=10
